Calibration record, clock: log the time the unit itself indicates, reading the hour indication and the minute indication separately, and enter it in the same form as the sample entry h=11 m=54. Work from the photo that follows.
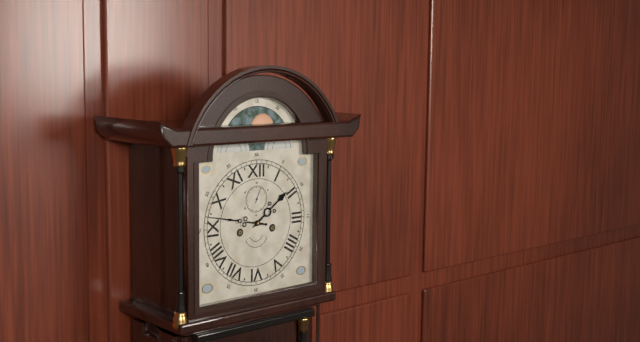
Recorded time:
h=1 m=47
